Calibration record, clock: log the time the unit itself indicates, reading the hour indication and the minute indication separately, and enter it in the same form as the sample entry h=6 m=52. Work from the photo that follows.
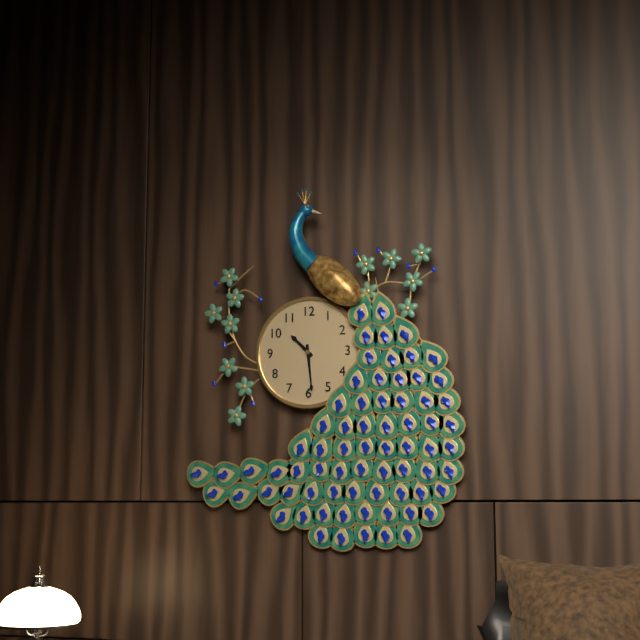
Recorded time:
h=10 m=29
